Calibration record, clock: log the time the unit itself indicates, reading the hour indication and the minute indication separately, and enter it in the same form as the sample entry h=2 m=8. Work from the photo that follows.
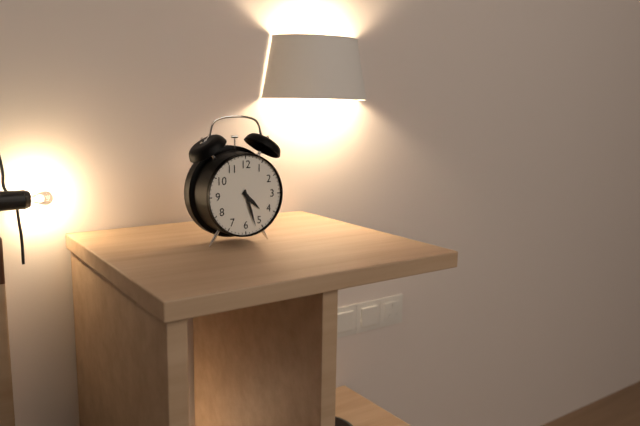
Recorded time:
h=4 m=27
